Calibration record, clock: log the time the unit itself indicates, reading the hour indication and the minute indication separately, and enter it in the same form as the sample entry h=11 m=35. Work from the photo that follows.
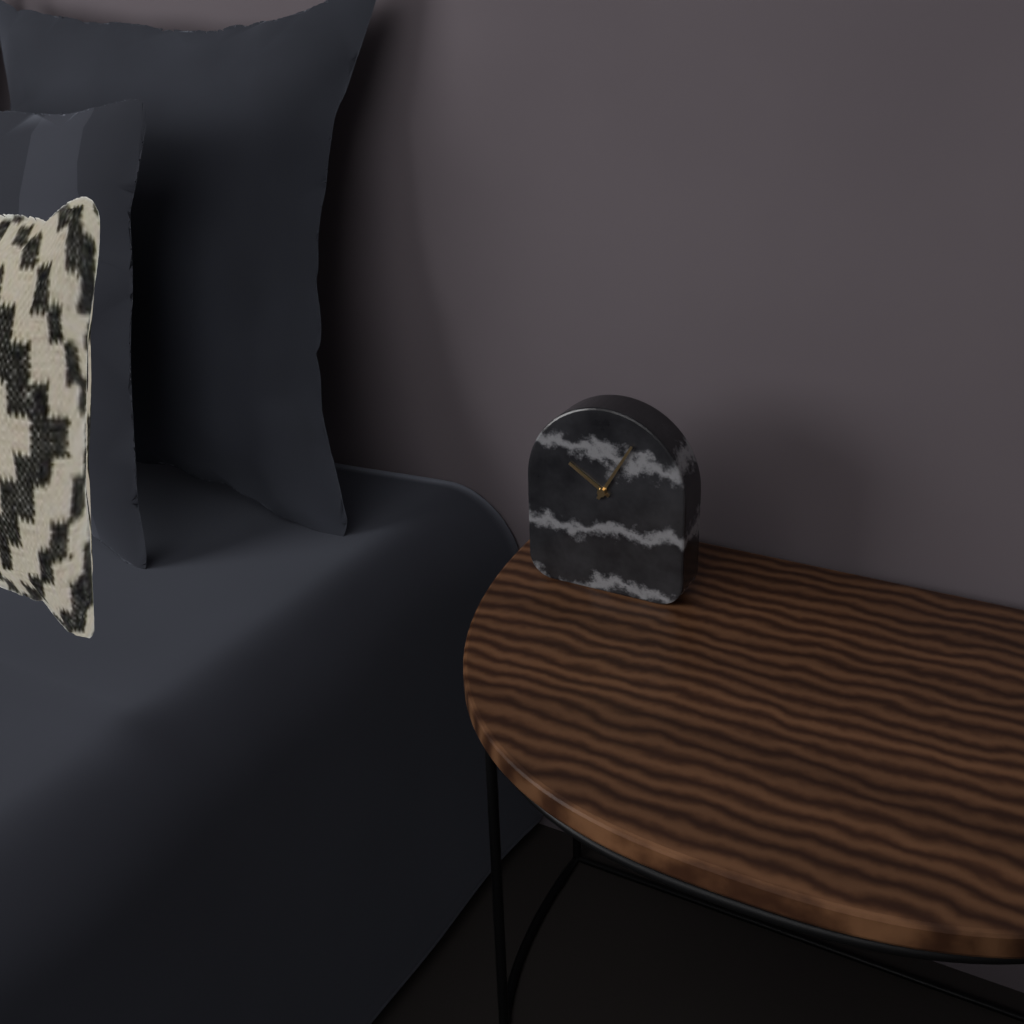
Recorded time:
h=10 m=5
